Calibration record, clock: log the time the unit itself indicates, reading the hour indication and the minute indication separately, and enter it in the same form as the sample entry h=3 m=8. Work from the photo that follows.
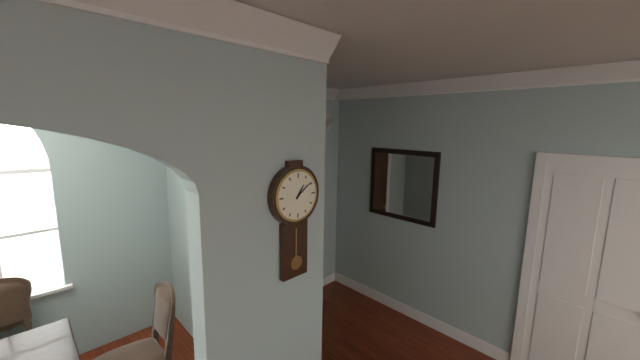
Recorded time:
h=1 m=9
